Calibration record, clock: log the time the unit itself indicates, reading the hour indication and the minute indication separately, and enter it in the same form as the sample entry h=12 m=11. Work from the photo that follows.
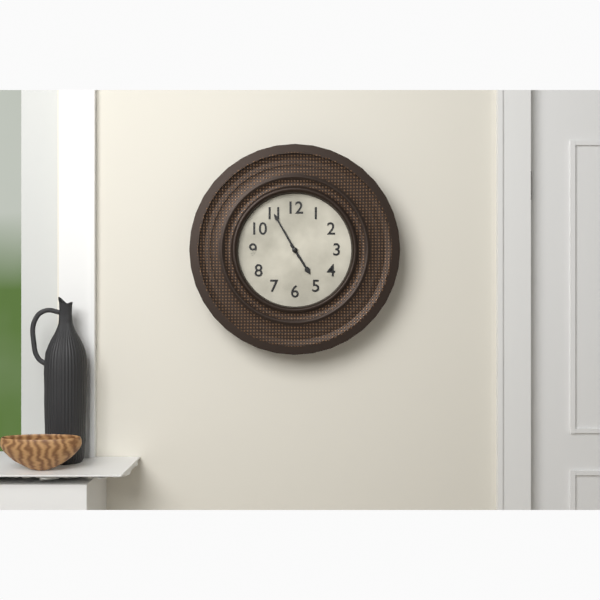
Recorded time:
h=4 m=55
